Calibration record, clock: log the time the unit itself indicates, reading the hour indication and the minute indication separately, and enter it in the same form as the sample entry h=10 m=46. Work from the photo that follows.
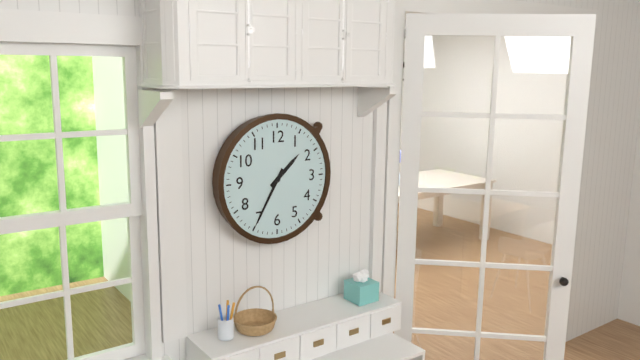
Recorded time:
h=1 m=35
